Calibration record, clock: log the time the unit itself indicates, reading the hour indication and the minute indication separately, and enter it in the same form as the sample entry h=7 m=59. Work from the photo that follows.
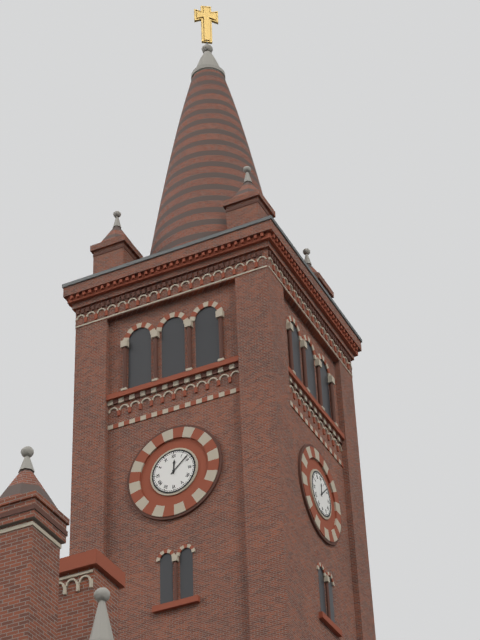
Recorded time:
h=12 m=8
